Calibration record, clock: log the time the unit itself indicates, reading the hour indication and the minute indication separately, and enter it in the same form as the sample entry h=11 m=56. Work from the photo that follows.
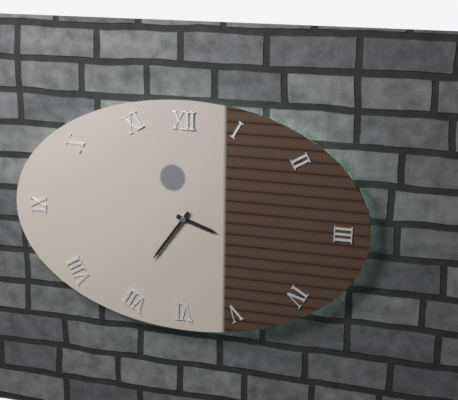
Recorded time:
h=3 m=36
